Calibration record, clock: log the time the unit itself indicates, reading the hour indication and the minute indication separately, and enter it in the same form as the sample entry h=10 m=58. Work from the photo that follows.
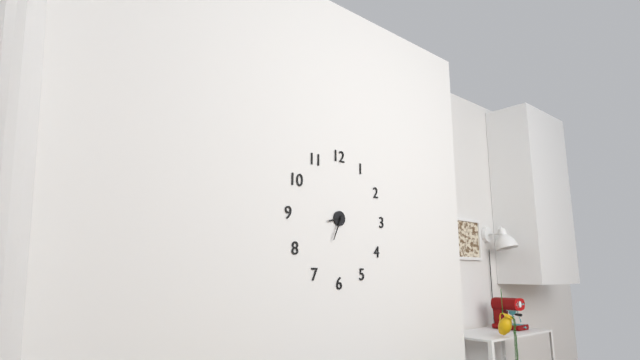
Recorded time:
h=8 m=34
